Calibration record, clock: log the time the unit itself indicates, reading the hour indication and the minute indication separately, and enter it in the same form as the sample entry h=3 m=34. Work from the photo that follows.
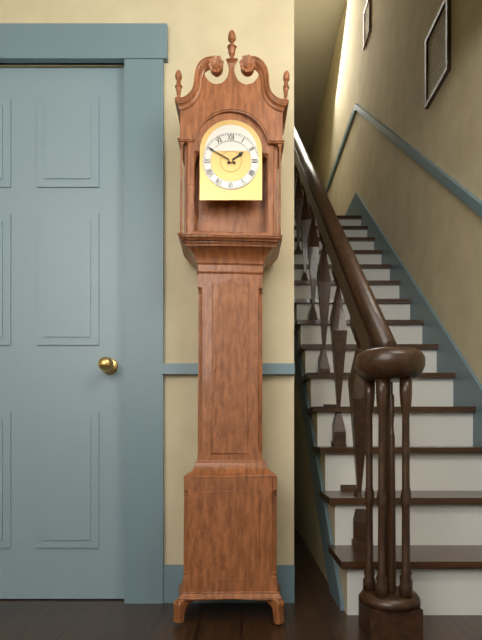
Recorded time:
h=1 m=50
